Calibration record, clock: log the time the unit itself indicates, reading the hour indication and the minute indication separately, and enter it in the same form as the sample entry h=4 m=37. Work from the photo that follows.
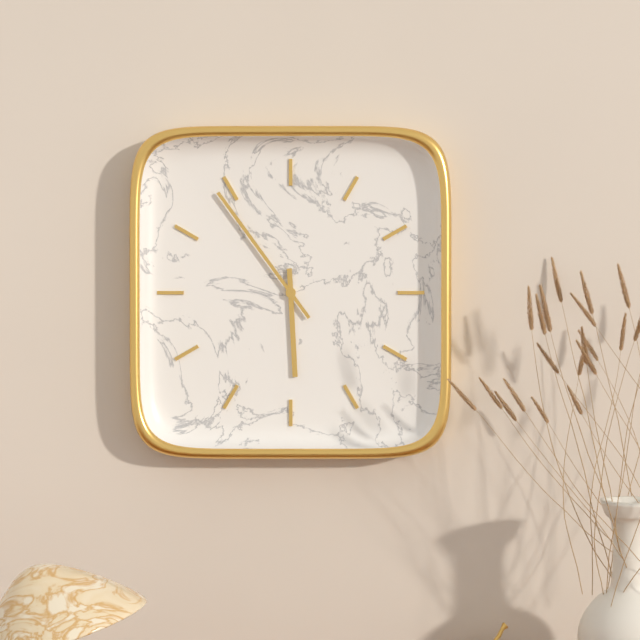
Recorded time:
h=5 m=54
